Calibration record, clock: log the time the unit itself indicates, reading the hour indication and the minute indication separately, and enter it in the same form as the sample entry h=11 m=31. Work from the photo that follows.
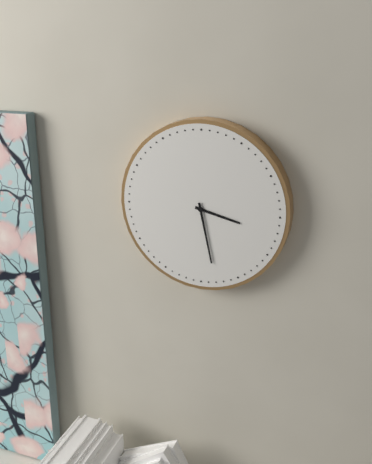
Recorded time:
h=3 m=28
